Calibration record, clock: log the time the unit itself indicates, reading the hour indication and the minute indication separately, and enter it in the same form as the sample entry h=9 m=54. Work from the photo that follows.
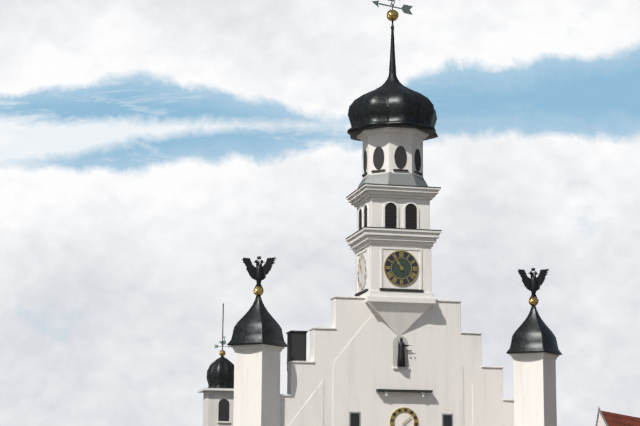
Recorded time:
h=10 m=54
